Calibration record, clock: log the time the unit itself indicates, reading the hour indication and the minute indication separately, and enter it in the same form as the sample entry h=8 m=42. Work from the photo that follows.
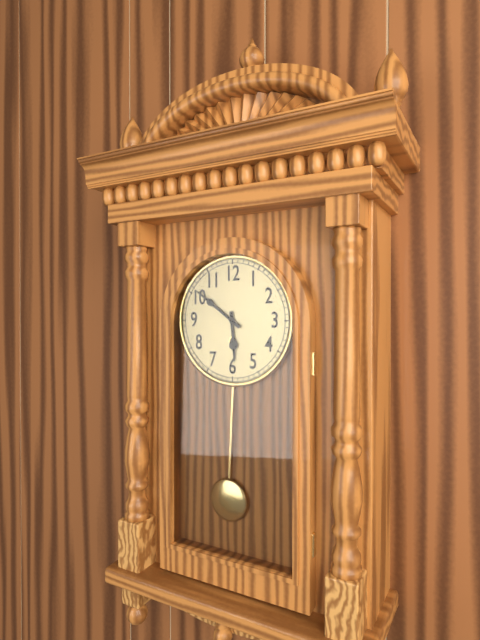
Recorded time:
h=5 m=51
